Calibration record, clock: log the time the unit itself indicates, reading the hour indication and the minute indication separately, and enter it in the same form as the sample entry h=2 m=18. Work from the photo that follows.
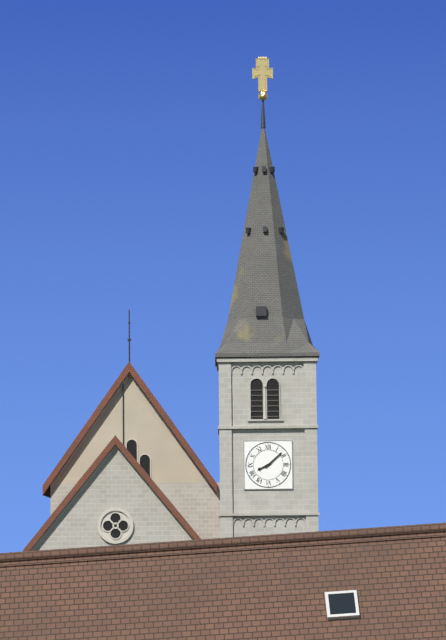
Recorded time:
h=8 m=8
